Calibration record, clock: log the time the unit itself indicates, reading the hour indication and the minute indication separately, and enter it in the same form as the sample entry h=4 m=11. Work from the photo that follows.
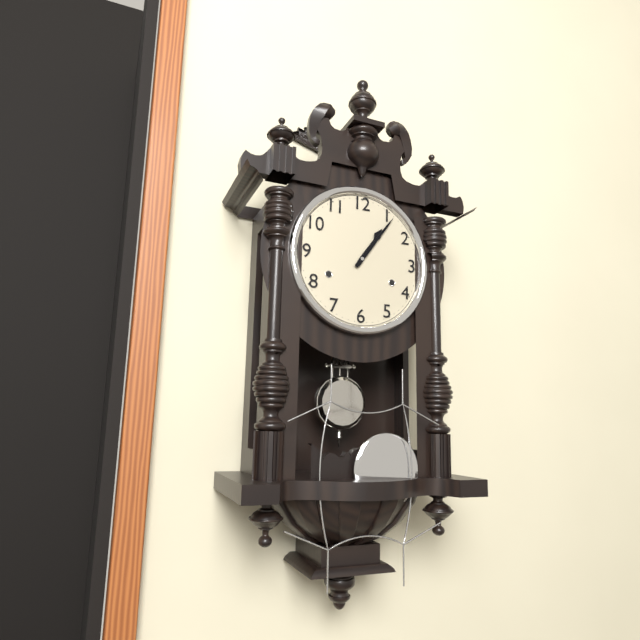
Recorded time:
h=1 m=6
